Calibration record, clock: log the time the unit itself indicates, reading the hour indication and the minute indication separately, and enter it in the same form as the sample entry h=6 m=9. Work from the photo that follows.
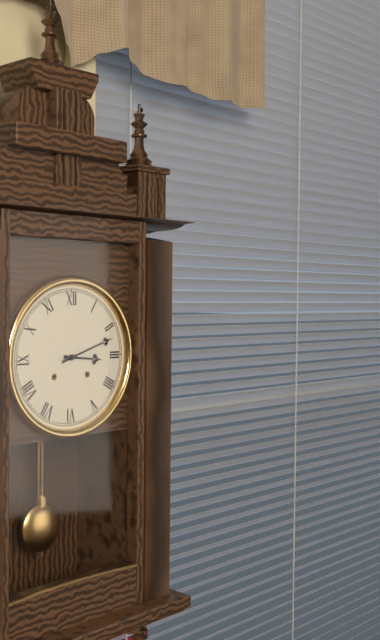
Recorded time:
h=3 m=12
